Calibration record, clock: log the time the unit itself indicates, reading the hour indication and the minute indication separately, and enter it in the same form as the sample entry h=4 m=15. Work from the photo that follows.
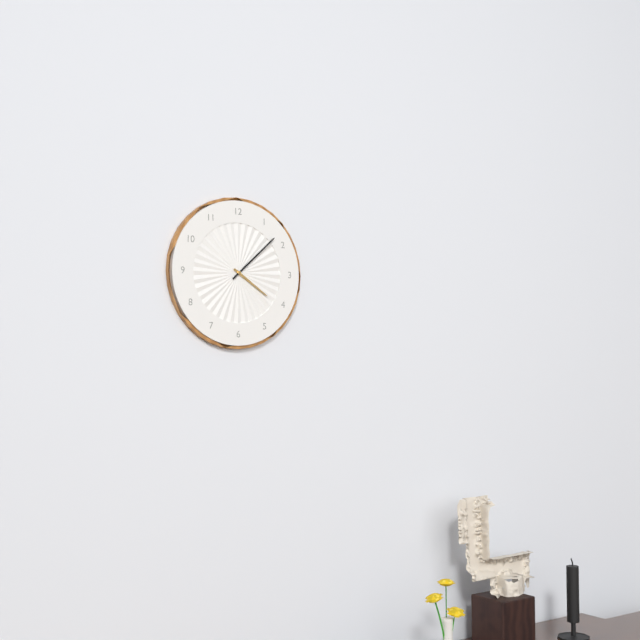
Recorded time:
h=4 m=8
